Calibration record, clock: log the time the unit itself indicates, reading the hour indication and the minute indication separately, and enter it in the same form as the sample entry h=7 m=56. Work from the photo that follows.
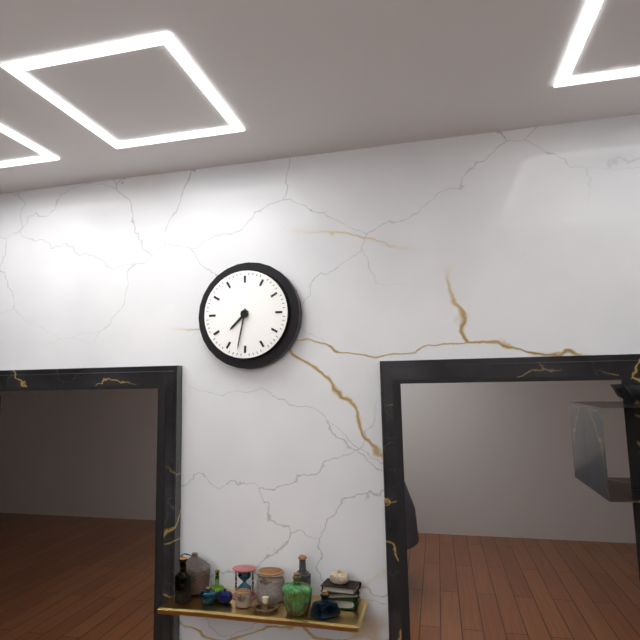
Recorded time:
h=7 m=32
